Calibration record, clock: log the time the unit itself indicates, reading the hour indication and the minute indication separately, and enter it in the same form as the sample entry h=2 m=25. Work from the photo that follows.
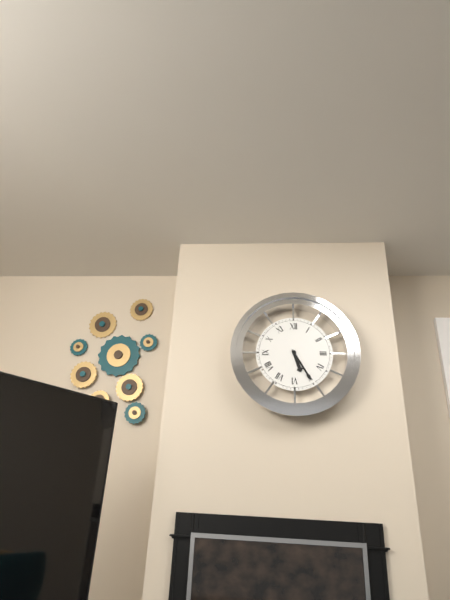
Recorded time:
h=5 m=25
